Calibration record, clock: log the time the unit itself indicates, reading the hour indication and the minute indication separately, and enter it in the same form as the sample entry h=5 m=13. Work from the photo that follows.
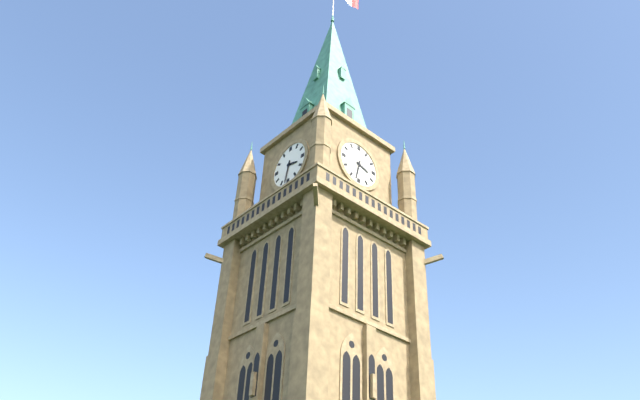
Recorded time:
h=3 m=32
